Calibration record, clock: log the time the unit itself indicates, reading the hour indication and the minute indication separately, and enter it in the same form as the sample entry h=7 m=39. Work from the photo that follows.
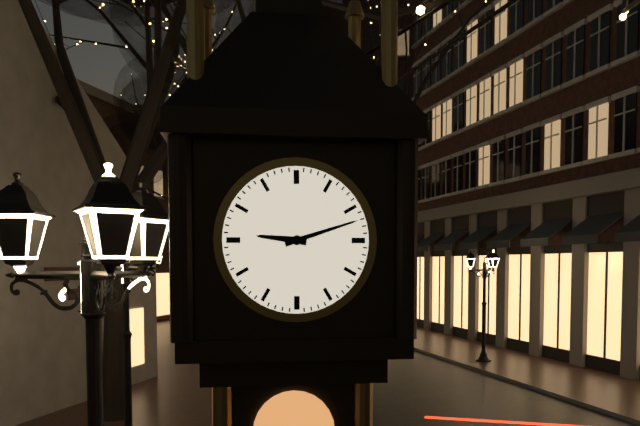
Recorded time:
h=9 m=12
